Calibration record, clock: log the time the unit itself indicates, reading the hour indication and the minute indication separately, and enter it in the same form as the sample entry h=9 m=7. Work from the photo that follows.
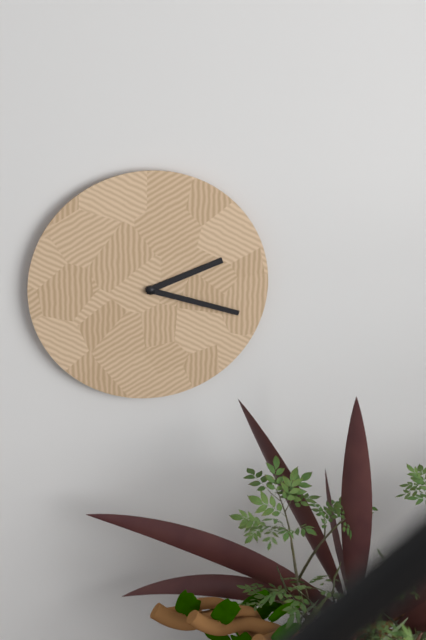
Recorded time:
h=2 m=18
